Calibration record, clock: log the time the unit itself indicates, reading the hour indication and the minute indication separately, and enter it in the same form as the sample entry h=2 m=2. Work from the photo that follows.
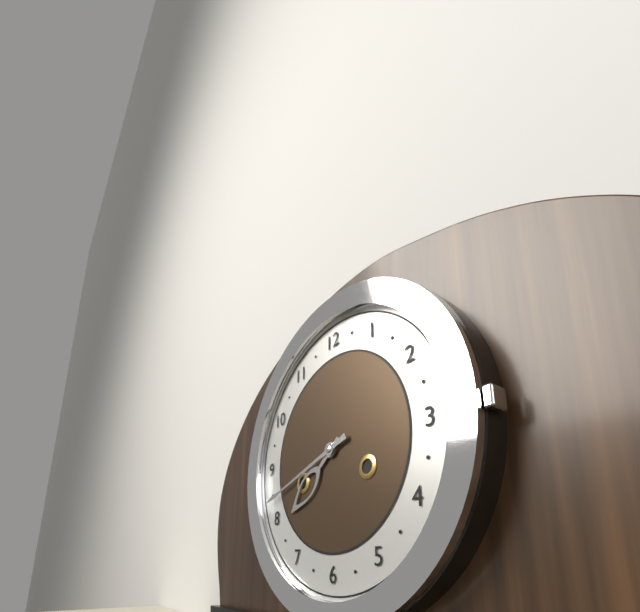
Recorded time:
h=7 m=42
